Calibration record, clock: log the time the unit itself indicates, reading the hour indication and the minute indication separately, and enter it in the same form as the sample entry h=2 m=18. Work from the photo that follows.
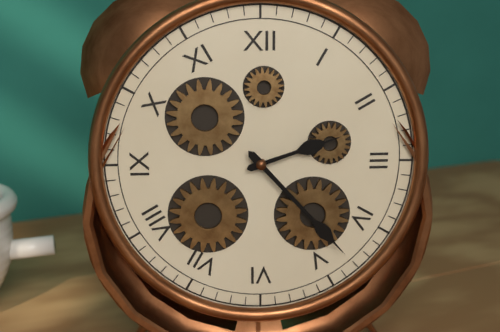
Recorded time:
h=2 m=23
